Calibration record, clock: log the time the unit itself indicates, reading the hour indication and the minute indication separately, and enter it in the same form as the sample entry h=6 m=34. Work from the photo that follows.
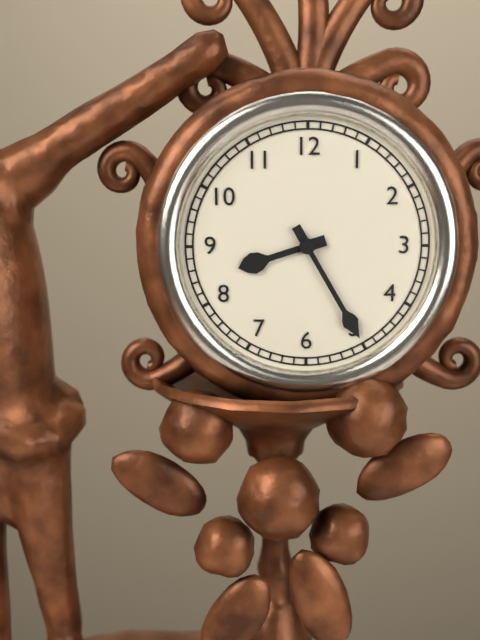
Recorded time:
h=8 m=25
